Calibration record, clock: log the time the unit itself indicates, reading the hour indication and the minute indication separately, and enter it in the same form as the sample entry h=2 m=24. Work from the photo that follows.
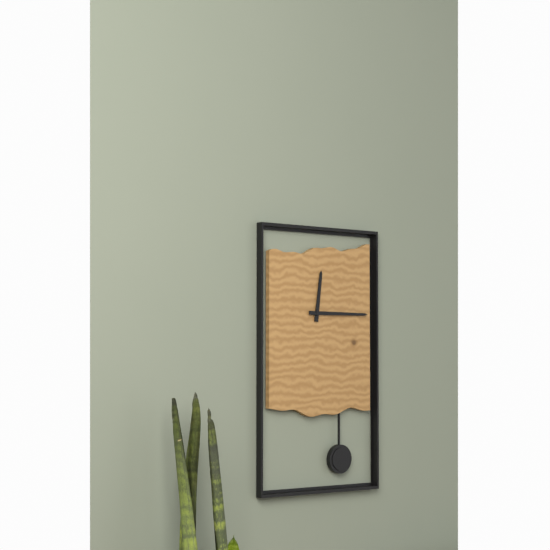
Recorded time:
h=12 m=15
